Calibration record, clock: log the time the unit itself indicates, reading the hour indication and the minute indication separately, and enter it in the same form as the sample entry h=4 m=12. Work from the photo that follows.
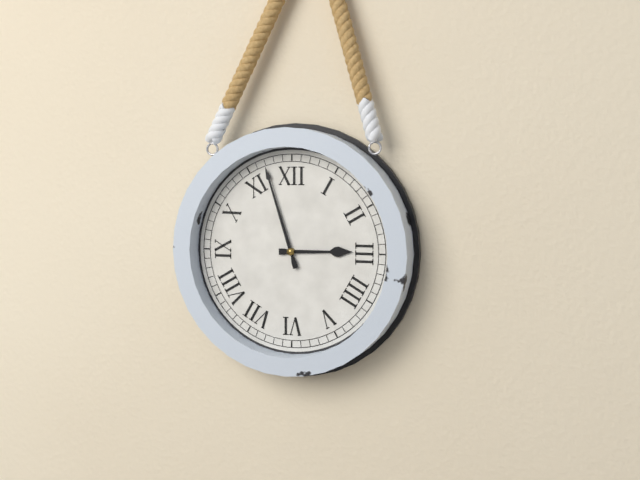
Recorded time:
h=2 m=57
